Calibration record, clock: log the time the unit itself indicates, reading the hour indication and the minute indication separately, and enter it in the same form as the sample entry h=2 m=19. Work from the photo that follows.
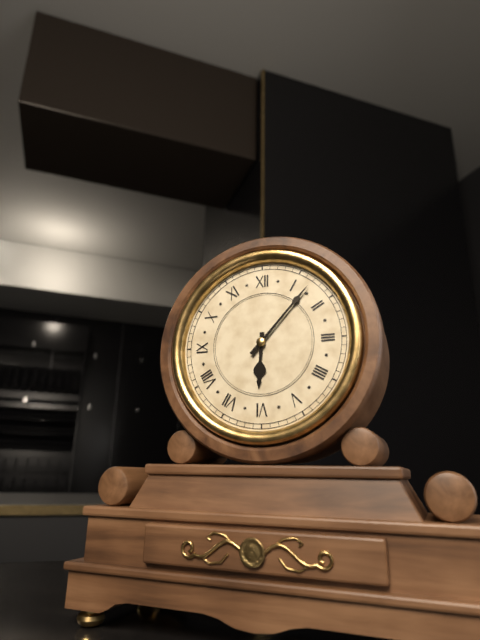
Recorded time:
h=6 m=7
